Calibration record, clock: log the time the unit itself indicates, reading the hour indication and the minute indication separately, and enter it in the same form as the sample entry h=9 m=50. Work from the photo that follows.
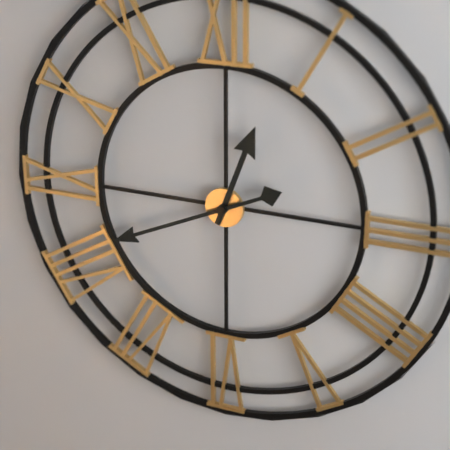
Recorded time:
h=12 m=41
